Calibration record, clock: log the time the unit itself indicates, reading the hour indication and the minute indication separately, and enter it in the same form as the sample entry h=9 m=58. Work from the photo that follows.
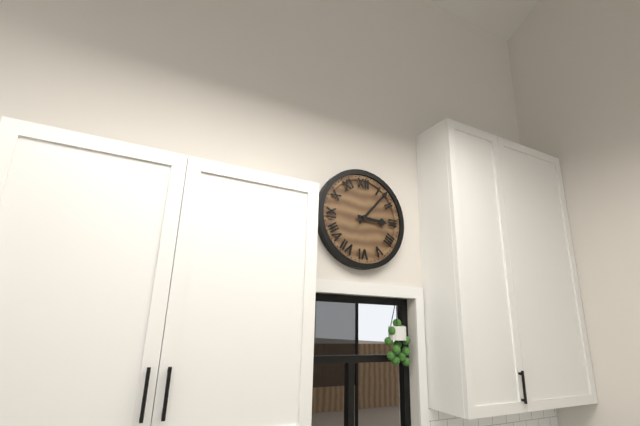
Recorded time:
h=3 m=7
